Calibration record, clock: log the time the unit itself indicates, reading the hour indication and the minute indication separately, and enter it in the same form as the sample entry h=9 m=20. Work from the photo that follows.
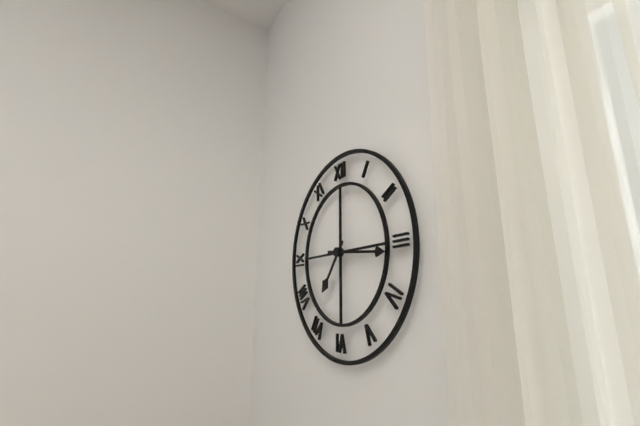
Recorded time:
h=7 m=16
